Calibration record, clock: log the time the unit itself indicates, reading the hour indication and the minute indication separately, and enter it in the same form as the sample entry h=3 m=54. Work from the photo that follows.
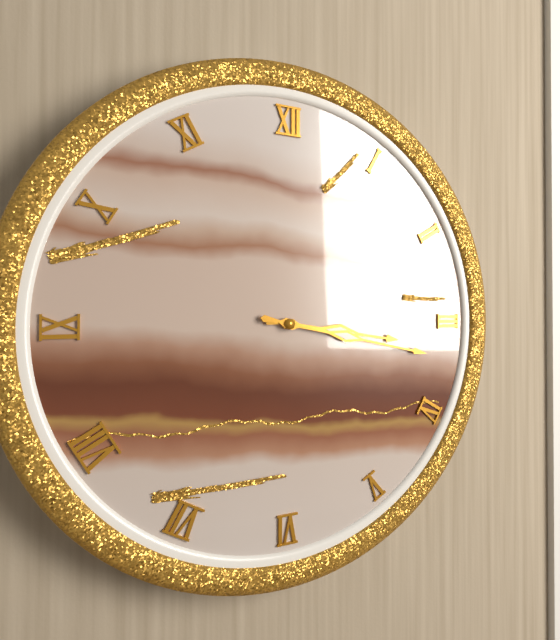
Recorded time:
h=3 m=17
